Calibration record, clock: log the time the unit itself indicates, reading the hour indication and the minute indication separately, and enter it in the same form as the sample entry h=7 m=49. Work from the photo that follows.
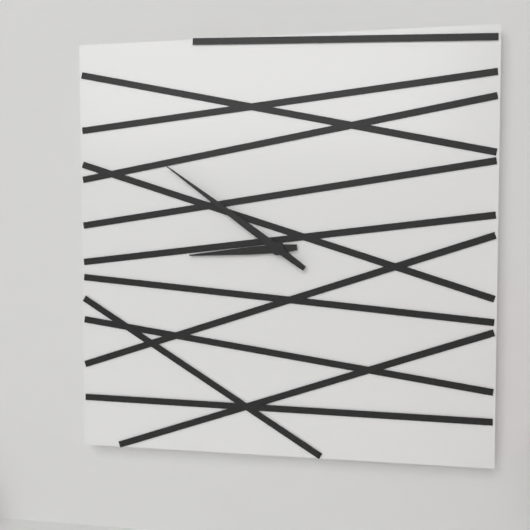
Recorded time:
h=8 m=51
